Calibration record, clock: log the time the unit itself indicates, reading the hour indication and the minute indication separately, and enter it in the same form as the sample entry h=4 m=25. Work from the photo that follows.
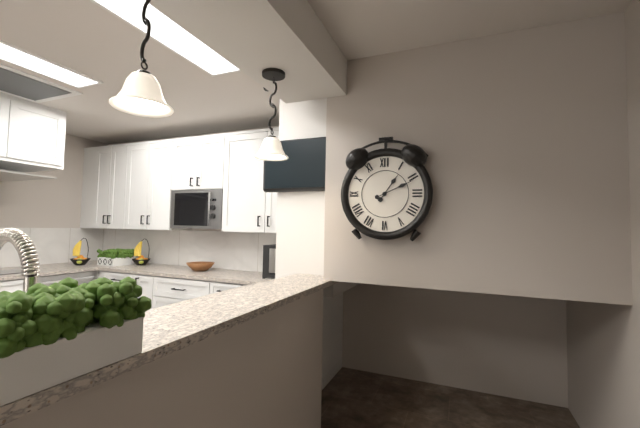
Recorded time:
h=1 m=11
